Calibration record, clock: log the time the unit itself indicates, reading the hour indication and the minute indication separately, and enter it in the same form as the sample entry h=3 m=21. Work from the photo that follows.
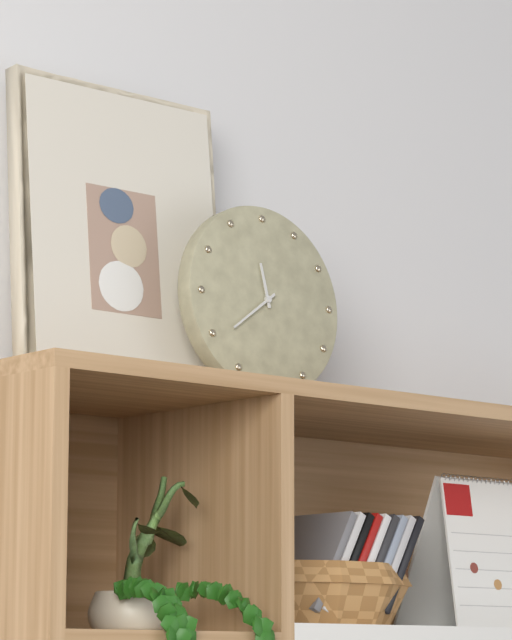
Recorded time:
h=11 m=39
